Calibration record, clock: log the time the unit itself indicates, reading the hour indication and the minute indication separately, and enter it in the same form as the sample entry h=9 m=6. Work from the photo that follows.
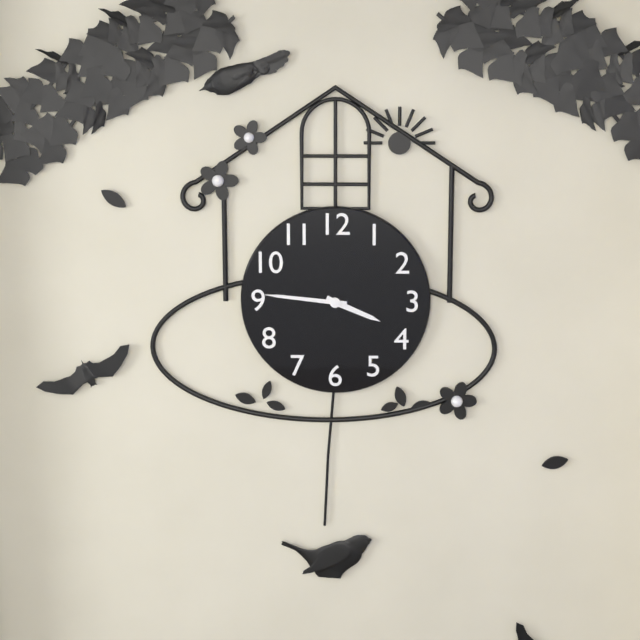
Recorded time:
h=3 m=46
